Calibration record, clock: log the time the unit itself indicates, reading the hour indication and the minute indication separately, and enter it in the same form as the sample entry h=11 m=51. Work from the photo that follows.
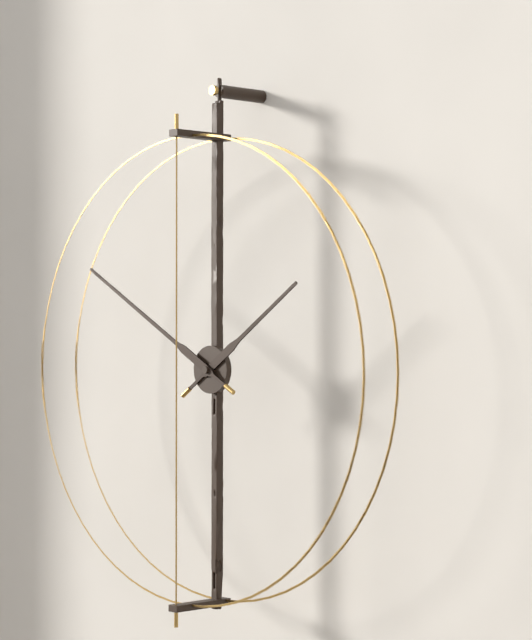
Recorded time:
h=1 m=50
